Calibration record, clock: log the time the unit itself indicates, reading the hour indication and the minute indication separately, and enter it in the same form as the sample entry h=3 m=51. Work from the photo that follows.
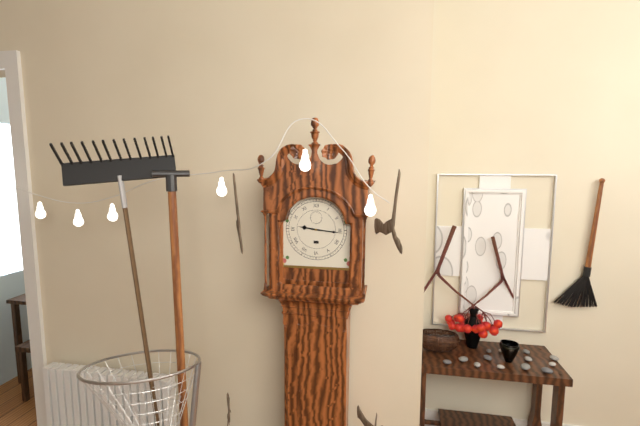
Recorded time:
h=9 m=16
